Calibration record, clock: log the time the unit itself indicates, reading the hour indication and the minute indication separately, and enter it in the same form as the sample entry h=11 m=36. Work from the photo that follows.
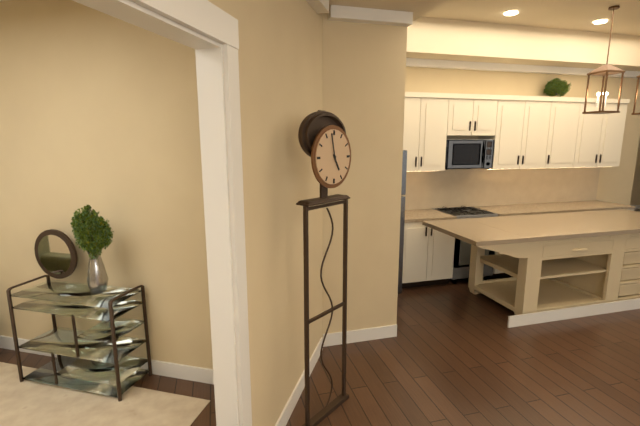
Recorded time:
h=4 m=58
